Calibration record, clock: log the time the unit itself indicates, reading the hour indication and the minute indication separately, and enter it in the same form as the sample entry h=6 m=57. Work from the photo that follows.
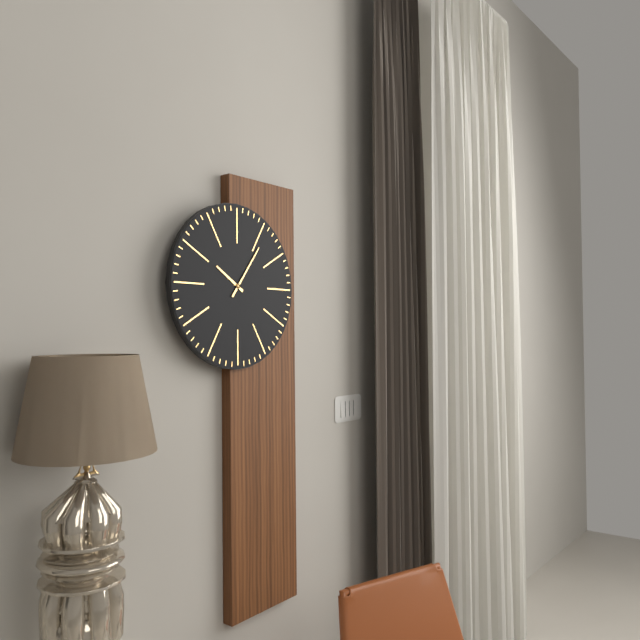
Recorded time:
h=10 m=6
